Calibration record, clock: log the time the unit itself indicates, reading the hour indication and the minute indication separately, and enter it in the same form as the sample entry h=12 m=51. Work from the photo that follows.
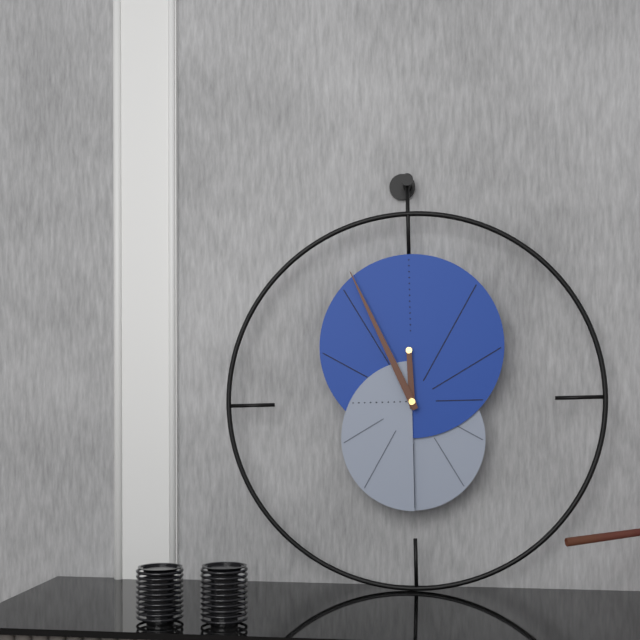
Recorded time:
h=11 m=56
